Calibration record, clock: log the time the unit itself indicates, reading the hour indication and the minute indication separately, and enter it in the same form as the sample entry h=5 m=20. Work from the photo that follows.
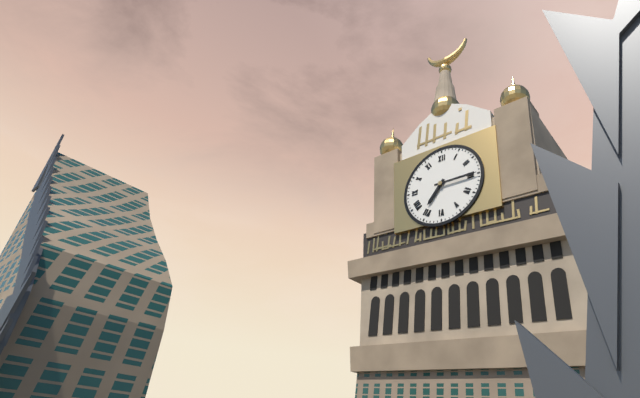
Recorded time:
h=7 m=15
